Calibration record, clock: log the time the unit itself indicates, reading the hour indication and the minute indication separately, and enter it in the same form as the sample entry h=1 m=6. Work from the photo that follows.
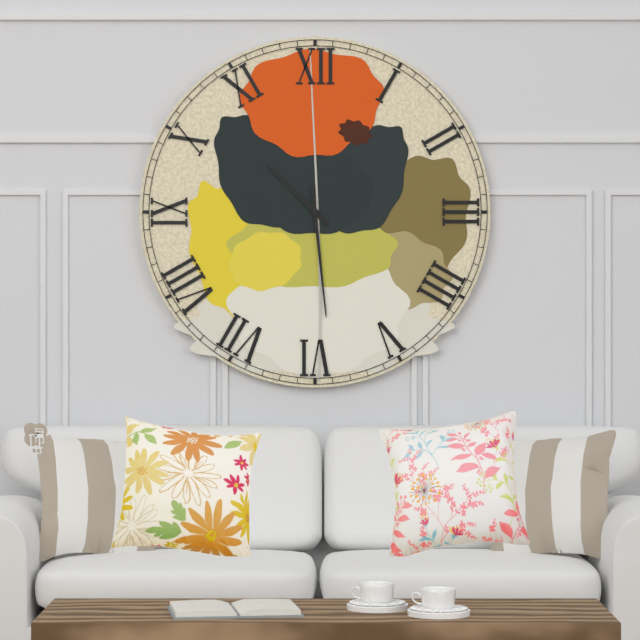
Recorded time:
h=10 m=29
